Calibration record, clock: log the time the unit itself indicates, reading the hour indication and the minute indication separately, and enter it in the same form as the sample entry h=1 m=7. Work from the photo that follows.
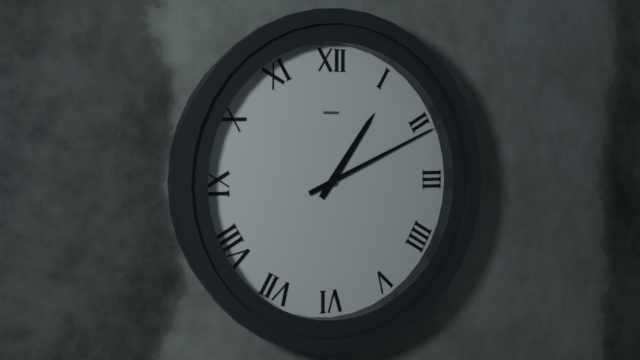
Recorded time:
h=1 m=11
